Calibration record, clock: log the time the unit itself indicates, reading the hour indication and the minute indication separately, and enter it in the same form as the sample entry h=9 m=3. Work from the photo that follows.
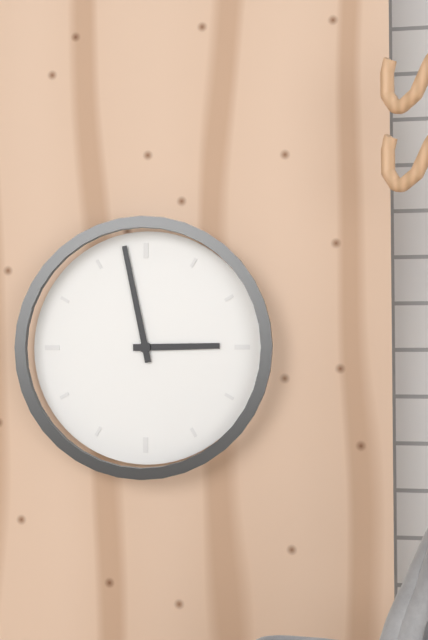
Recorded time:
h=2 m=58
